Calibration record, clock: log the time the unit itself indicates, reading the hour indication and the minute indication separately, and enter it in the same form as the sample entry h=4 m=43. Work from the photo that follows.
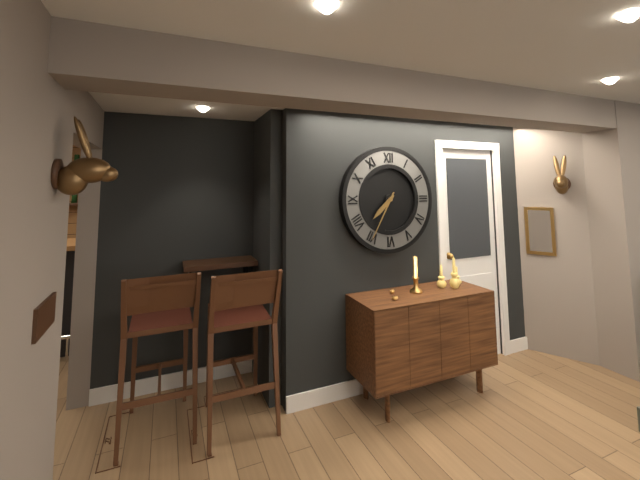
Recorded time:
h=7 m=35
